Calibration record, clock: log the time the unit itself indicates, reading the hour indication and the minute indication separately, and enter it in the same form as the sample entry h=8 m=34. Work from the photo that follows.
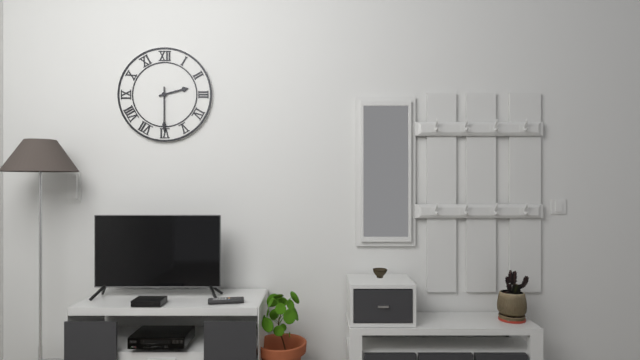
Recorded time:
h=2 m=30
